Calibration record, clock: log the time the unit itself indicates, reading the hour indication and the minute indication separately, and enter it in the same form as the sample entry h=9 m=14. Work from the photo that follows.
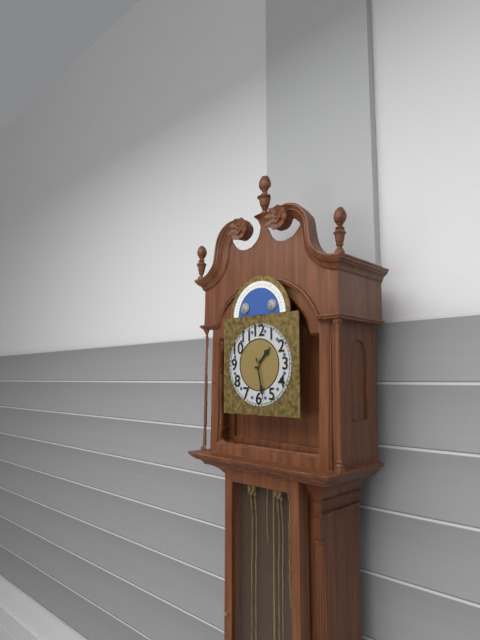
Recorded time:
h=1 m=28
